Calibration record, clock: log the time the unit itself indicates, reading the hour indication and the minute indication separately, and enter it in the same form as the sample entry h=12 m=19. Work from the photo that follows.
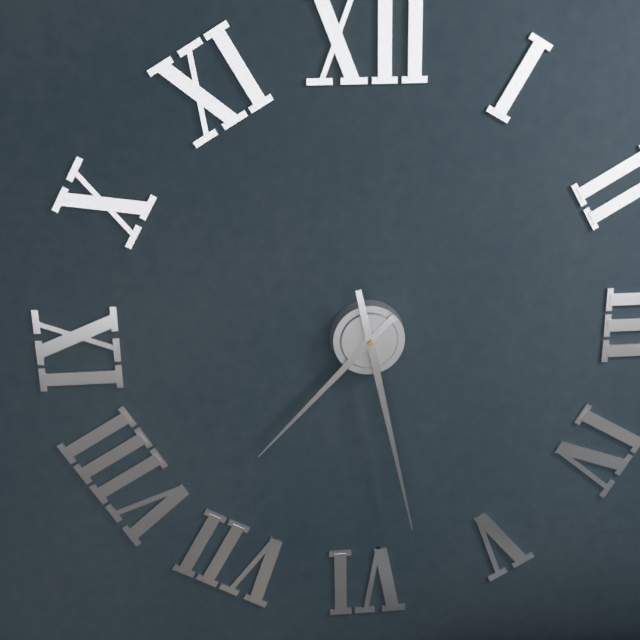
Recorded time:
h=7 m=28
